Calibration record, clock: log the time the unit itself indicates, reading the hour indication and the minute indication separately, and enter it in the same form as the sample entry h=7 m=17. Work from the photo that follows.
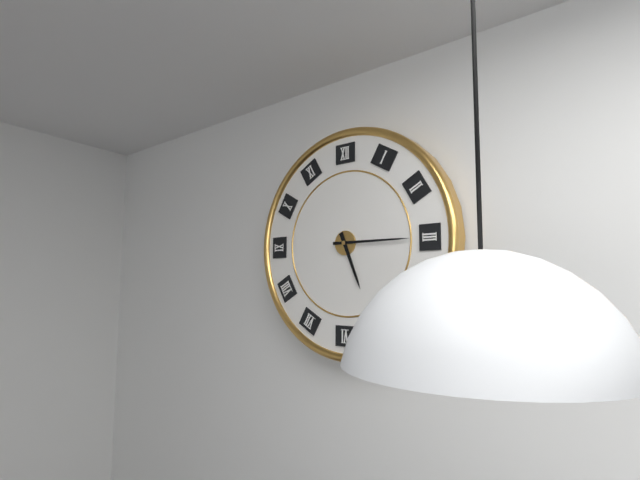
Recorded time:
h=5 m=15
